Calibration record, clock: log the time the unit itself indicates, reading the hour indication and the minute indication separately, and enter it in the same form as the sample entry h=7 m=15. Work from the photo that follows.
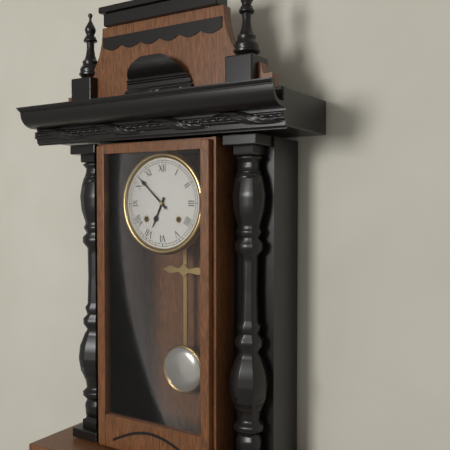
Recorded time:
h=6 m=52
